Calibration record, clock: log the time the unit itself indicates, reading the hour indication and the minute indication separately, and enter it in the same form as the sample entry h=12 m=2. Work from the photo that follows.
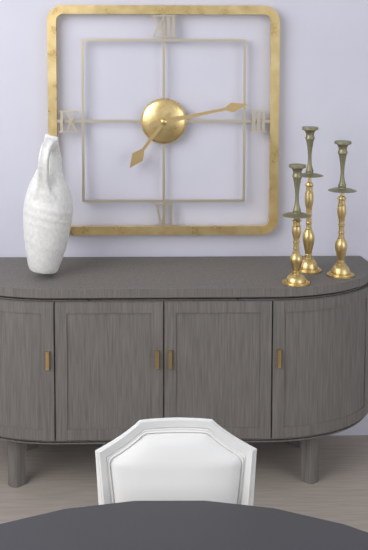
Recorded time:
h=7 m=13
